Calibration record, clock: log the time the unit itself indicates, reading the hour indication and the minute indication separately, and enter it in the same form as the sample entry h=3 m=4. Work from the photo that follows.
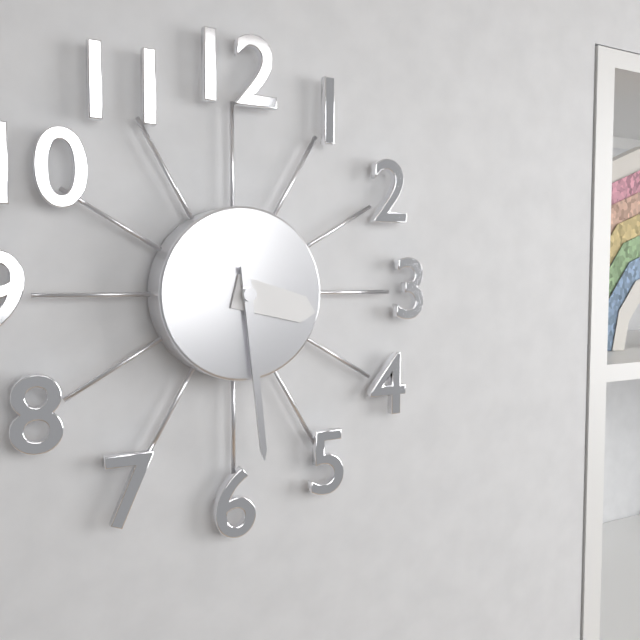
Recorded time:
h=3 m=29
